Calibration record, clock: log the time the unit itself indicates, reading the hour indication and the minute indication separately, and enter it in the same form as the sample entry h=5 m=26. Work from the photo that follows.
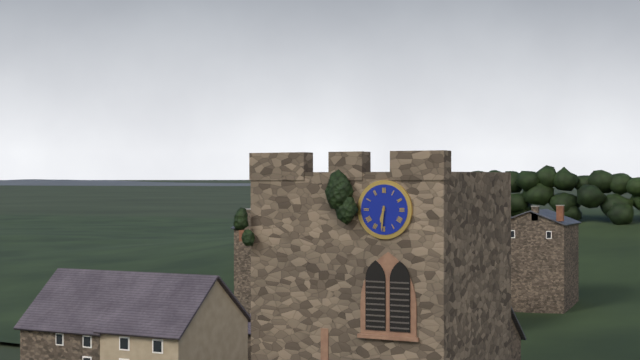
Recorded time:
h=6 m=31
